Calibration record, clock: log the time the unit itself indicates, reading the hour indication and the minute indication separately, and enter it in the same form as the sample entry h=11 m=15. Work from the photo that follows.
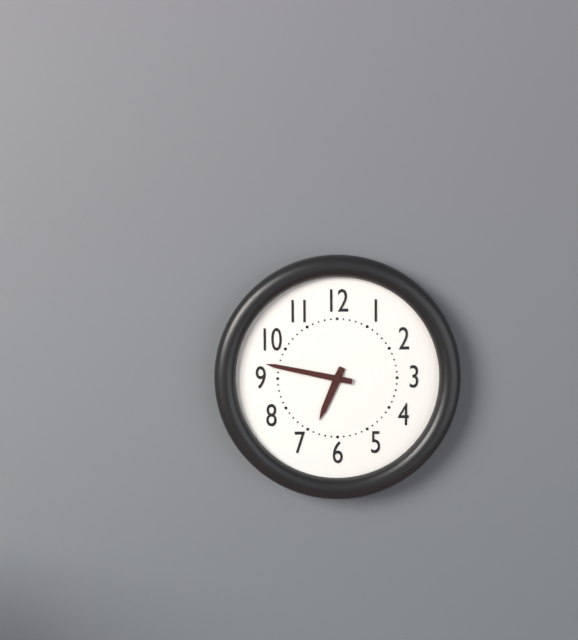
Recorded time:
h=6 m=47
